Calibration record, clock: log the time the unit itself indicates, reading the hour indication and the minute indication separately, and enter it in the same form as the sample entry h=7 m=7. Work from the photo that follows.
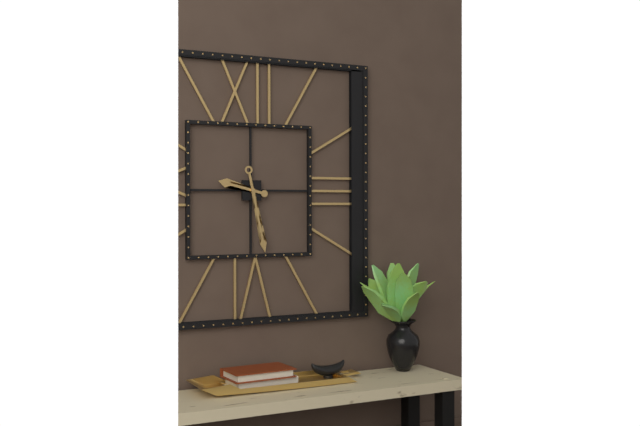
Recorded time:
h=9 m=28
